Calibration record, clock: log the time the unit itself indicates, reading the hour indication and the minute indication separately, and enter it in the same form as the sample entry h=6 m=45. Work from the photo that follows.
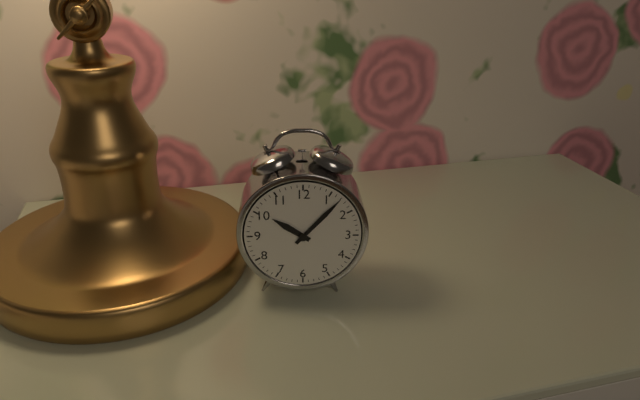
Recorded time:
h=10 m=7
